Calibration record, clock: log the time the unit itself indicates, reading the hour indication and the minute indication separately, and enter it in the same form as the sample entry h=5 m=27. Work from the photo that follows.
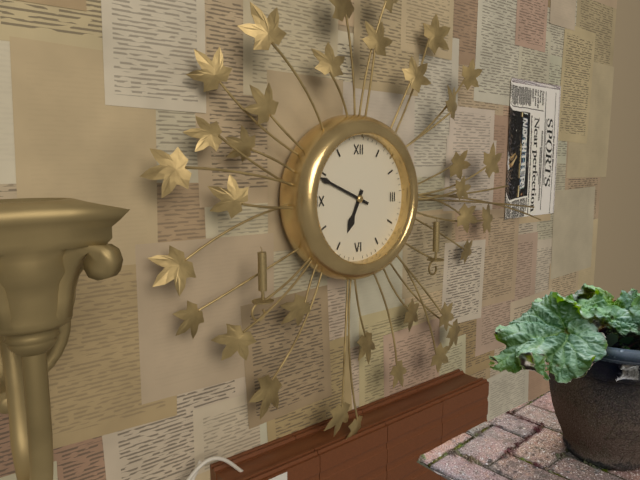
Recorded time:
h=6 m=49
